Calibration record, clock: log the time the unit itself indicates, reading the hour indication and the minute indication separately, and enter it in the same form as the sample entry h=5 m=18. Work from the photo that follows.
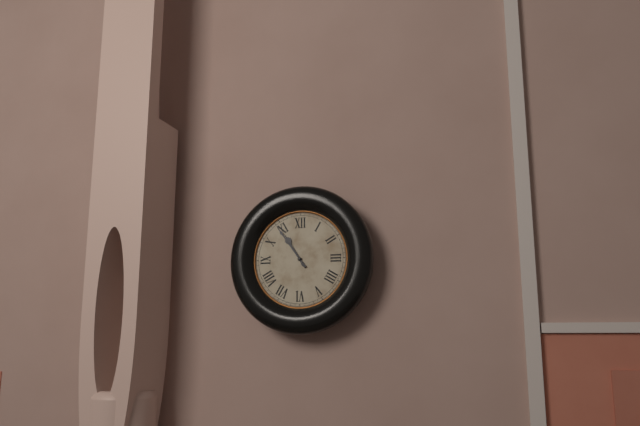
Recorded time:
h=10 m=54
